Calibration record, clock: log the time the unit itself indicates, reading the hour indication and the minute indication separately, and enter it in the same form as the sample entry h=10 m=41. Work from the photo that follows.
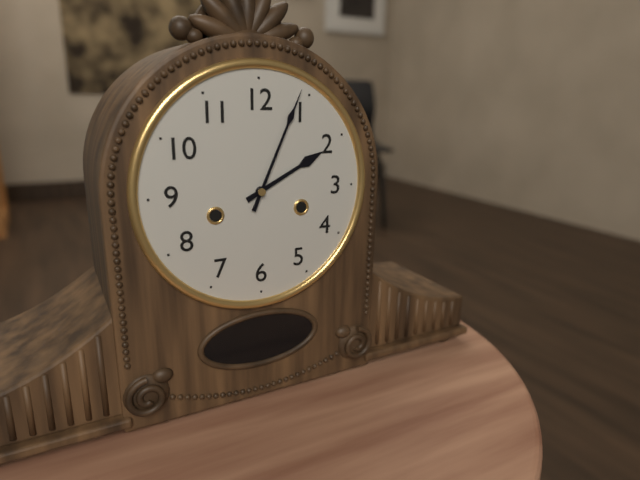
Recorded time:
h=2 m=4
